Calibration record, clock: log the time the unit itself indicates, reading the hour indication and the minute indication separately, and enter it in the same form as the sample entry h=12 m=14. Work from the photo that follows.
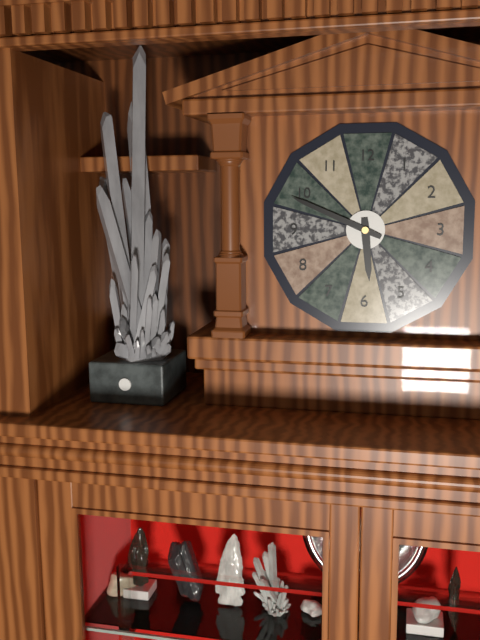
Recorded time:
h=5 m=49
